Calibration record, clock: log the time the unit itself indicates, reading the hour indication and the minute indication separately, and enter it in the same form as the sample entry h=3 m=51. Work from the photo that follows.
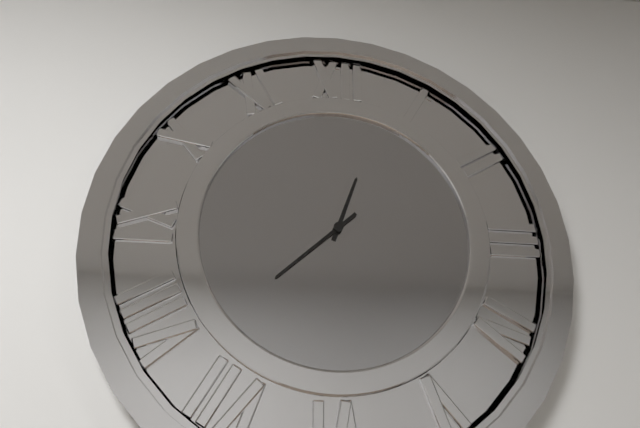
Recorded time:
h=12 m=38
